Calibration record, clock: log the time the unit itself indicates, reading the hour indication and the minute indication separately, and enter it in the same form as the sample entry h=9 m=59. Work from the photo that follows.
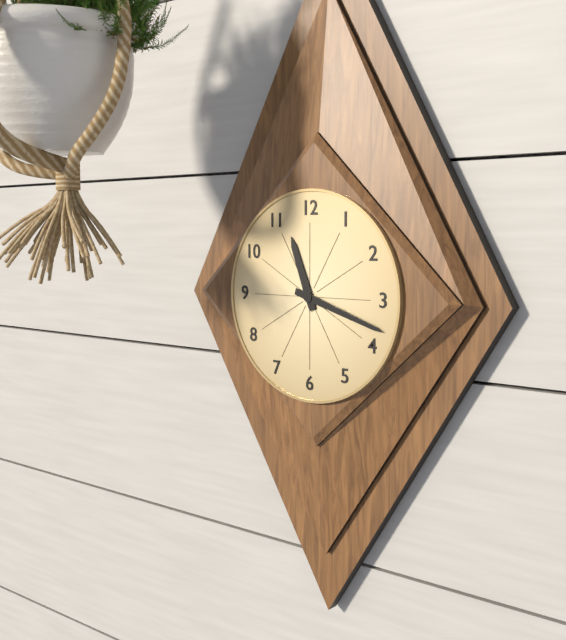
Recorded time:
h=11 m=18
